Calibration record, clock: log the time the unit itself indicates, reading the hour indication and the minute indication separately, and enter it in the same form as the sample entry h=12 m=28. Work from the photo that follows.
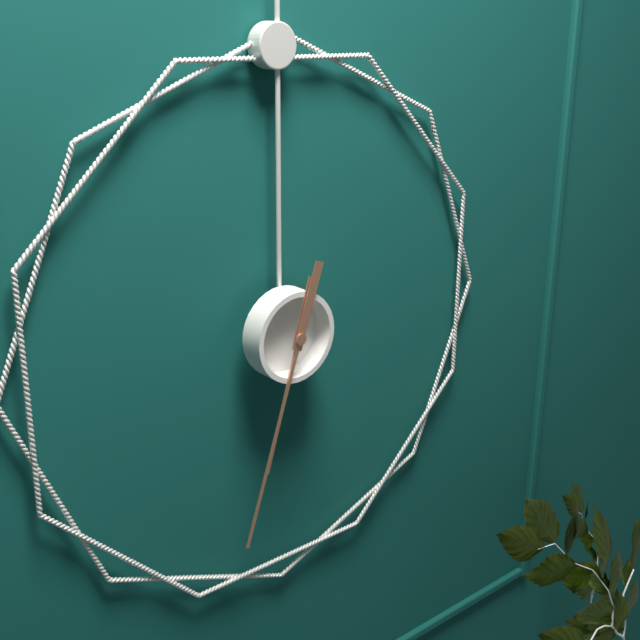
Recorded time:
h=6 m=33
